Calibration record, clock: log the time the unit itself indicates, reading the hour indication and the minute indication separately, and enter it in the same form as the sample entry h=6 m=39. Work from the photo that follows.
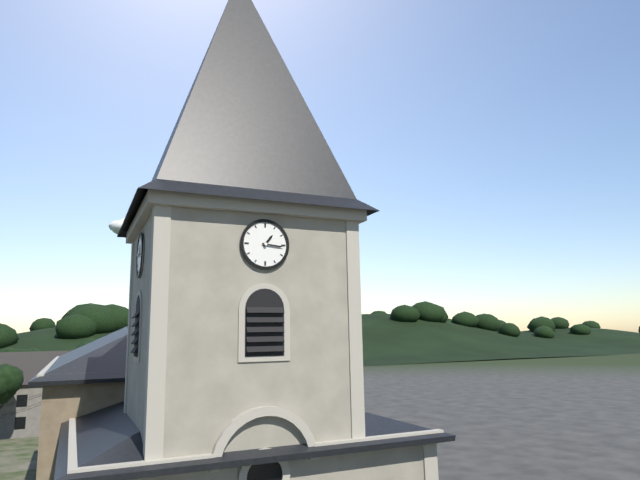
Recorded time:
h=1 m=16
